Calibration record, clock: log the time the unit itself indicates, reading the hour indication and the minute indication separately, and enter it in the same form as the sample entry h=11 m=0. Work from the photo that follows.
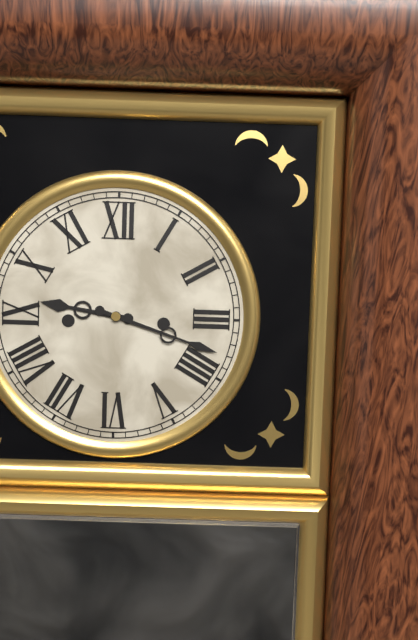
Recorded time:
h=9 m=18
